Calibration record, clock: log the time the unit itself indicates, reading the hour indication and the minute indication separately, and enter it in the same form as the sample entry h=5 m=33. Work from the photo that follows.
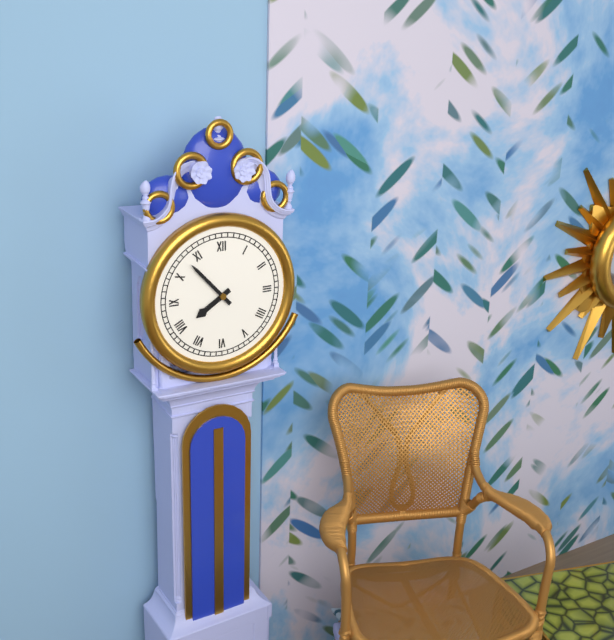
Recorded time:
h=7 m=53
